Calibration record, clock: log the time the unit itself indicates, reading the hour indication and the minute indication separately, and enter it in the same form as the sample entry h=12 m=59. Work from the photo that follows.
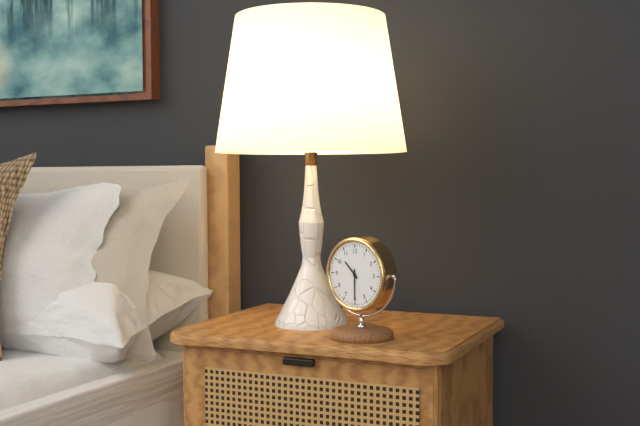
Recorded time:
h=10 m=30
